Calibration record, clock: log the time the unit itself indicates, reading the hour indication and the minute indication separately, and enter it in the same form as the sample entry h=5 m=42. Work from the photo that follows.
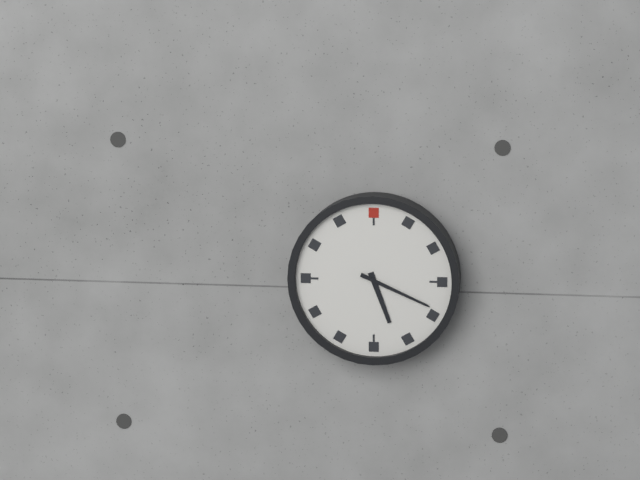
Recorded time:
h=5 m=19
